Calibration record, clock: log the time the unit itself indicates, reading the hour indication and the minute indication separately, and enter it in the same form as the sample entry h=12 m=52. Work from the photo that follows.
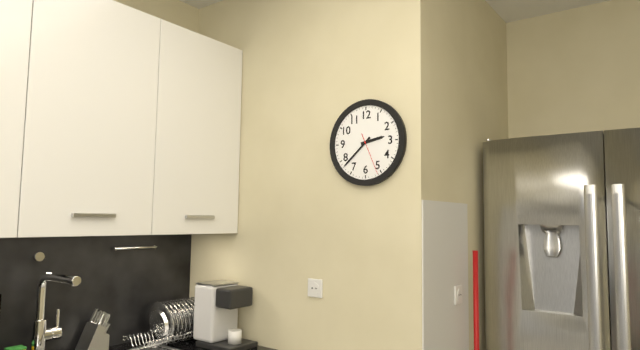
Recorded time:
h=2 m=38
